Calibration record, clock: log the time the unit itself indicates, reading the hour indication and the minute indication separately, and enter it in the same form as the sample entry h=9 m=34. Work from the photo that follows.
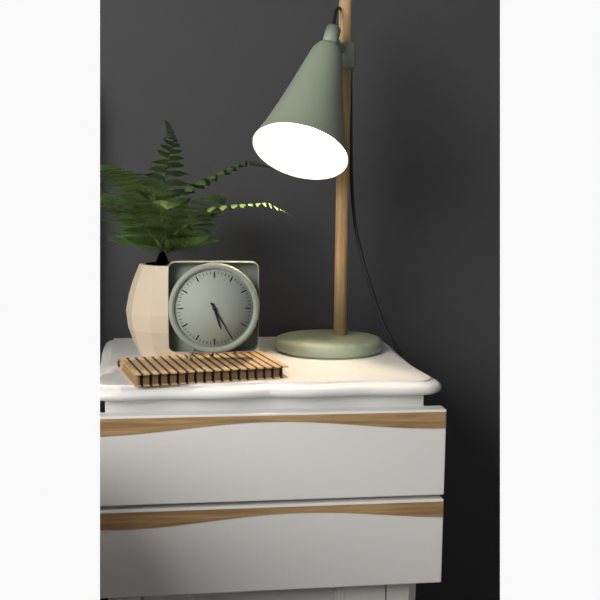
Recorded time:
h=5 m=25
